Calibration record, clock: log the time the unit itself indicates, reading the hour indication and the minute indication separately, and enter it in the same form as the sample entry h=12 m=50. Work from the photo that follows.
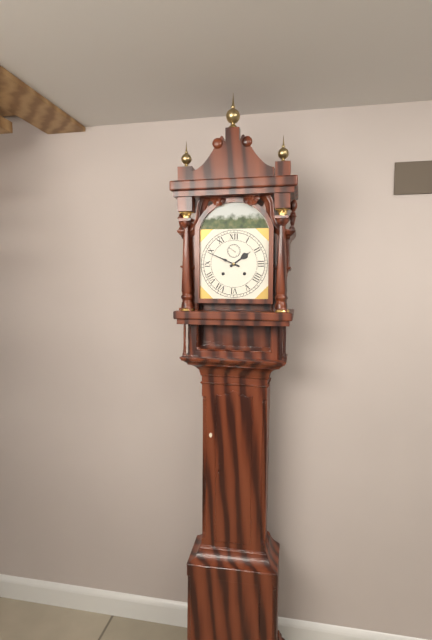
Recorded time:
h=1 m=49
